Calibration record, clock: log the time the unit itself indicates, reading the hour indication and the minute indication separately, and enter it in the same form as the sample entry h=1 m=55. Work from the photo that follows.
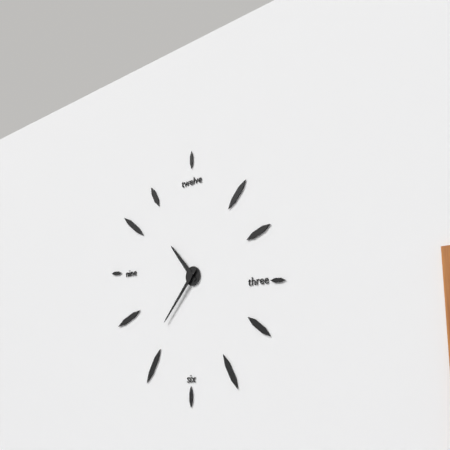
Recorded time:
h=10 m=37
